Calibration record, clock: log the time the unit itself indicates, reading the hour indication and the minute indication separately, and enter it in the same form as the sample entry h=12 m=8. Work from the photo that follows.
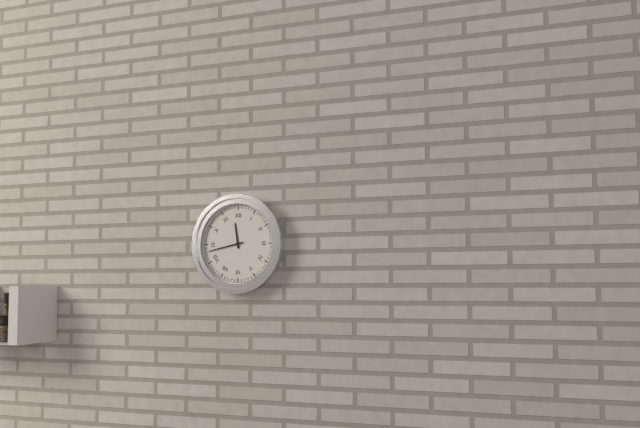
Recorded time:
h=11 m=43
